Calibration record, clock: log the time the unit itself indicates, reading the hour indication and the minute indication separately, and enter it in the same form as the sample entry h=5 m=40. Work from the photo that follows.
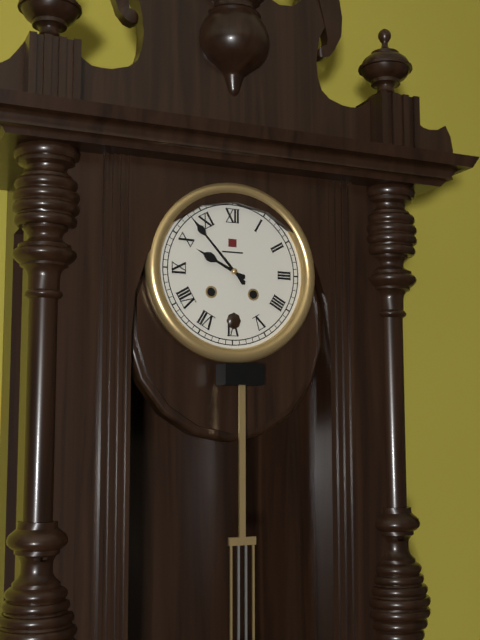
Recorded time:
h=9 m=53
